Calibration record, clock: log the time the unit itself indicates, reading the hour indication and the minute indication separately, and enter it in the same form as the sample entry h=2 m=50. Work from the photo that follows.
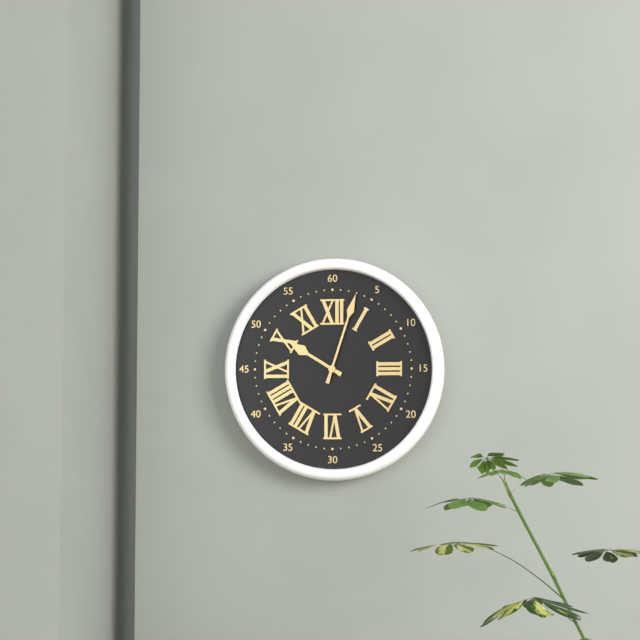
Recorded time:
h=10 m=3
